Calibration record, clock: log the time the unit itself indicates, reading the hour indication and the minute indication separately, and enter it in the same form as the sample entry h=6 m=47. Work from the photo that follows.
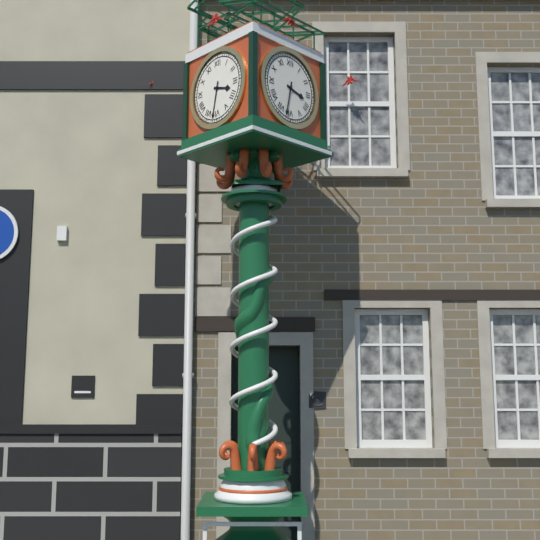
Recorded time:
h=3 m=32
